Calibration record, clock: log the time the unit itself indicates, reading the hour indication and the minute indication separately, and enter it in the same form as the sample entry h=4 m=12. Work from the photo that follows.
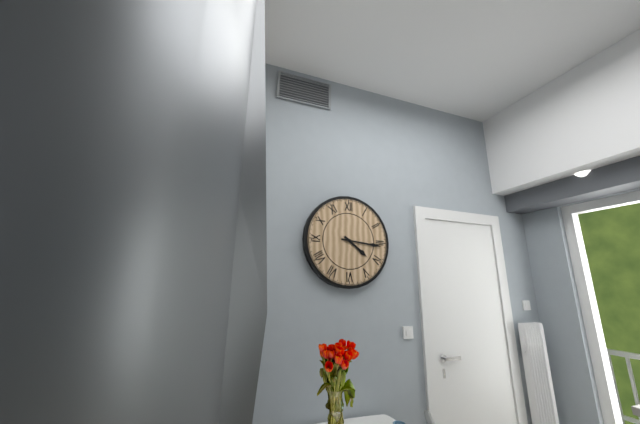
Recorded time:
h=4 m=16
